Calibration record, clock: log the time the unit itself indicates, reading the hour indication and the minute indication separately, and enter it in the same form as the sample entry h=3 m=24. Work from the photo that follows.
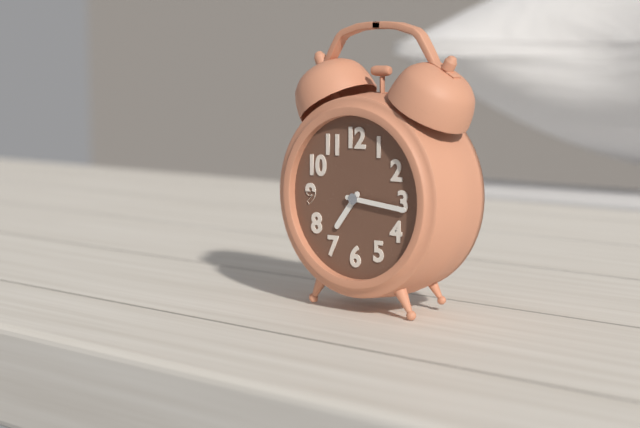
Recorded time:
h=7 m=16
